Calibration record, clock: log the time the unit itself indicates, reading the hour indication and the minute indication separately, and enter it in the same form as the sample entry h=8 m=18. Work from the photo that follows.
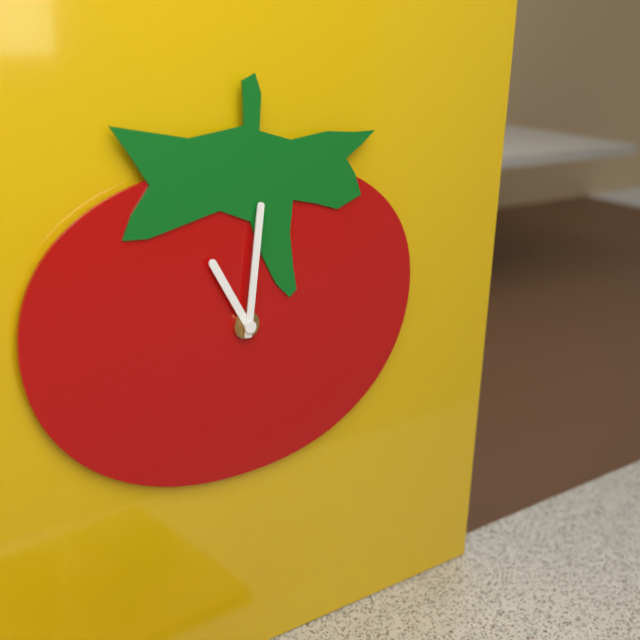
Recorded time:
h=11 m=1
